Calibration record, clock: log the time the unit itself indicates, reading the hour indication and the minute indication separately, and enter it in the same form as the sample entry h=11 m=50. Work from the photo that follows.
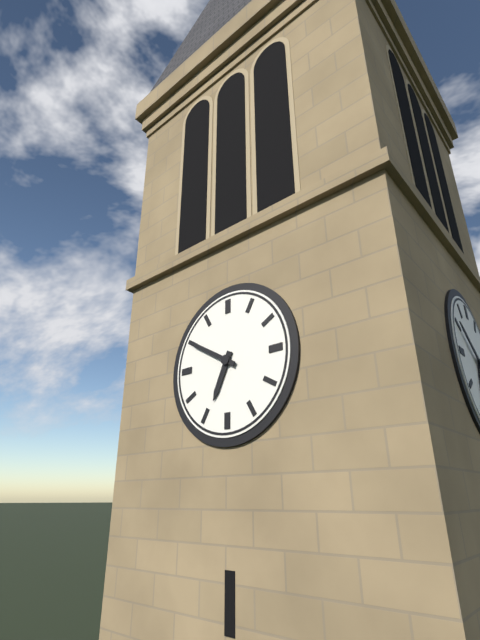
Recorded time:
h=6 m=50
